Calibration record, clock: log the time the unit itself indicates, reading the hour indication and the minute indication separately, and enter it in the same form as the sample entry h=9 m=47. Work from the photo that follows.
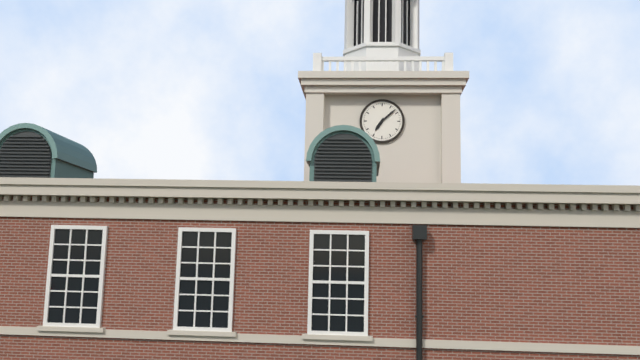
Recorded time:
h=7 m=8
